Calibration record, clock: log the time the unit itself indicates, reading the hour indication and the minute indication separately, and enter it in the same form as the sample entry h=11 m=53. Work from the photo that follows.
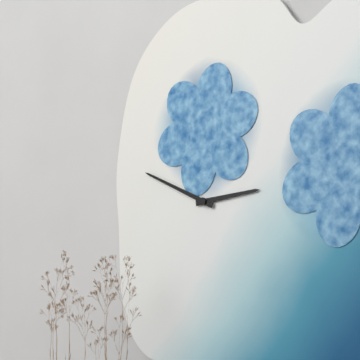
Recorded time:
h=2 m=49
